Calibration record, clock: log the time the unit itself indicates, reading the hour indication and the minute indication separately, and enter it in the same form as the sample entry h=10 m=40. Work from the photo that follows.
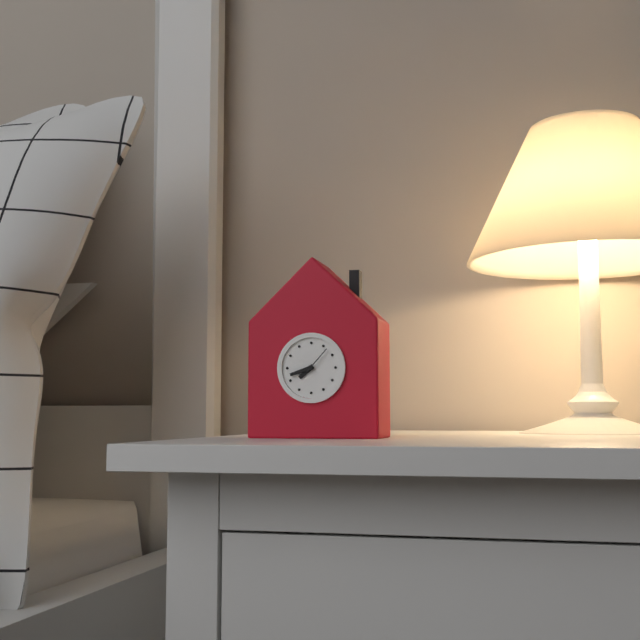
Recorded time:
h=7 m=42
